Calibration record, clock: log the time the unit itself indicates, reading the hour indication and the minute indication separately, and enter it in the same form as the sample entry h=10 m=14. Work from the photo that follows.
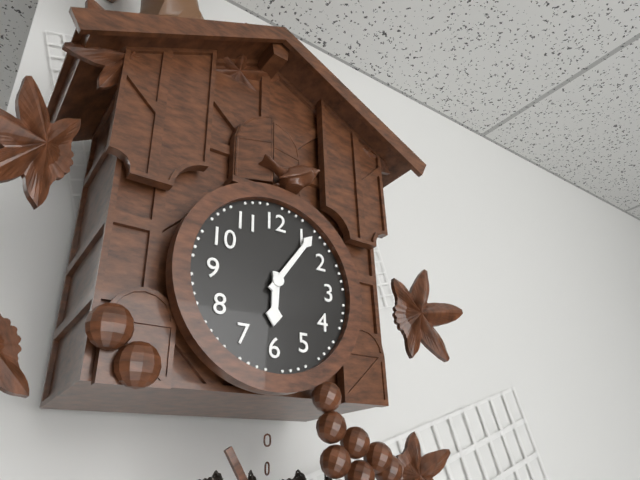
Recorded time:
h=6 m=6
